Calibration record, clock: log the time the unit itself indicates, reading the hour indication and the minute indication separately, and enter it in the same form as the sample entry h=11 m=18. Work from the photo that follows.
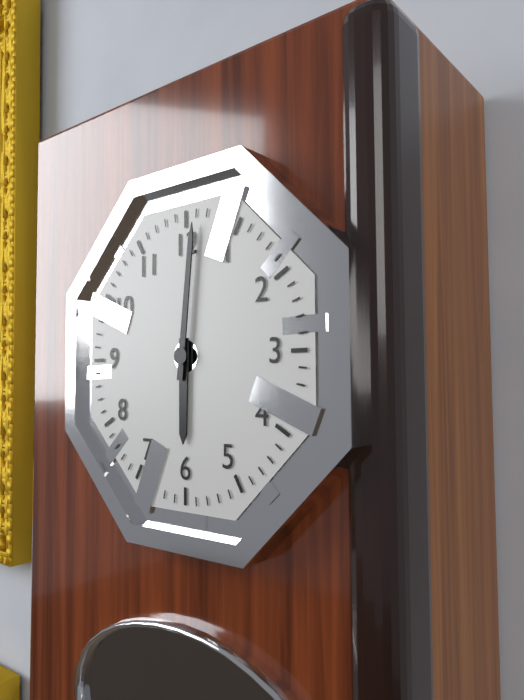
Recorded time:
h=6 m=1
